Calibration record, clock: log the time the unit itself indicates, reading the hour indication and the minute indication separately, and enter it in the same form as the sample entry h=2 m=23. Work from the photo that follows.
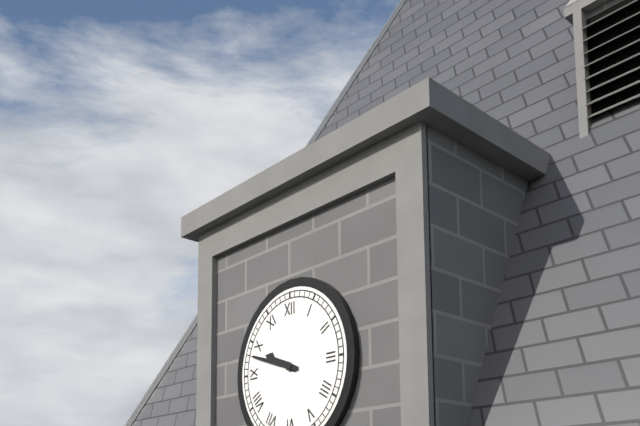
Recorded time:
h=9 m=48
